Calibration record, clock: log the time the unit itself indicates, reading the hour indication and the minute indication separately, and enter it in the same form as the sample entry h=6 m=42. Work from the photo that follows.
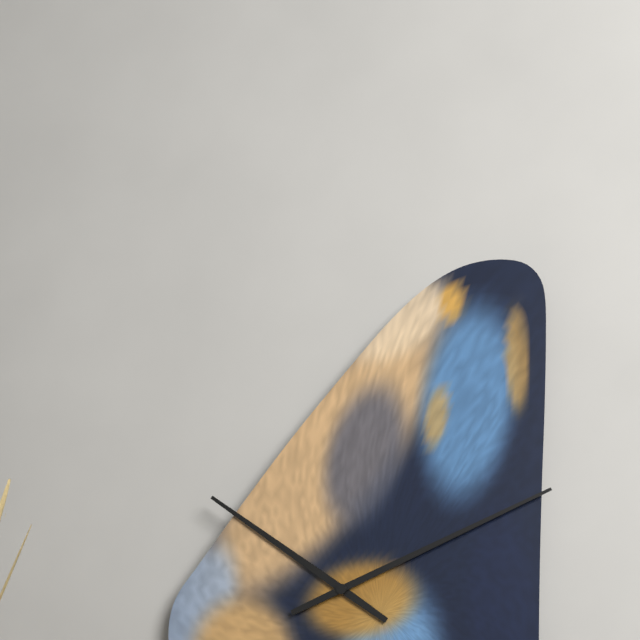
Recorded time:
h=10 m=11
